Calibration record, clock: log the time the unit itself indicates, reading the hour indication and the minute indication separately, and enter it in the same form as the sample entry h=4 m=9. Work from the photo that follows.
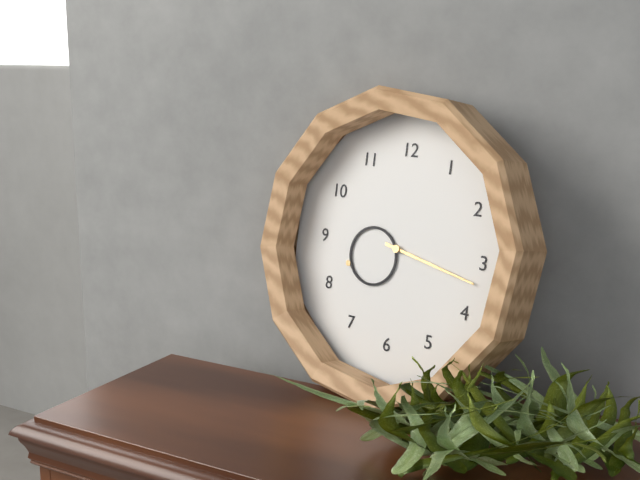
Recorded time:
h=8 m=17
